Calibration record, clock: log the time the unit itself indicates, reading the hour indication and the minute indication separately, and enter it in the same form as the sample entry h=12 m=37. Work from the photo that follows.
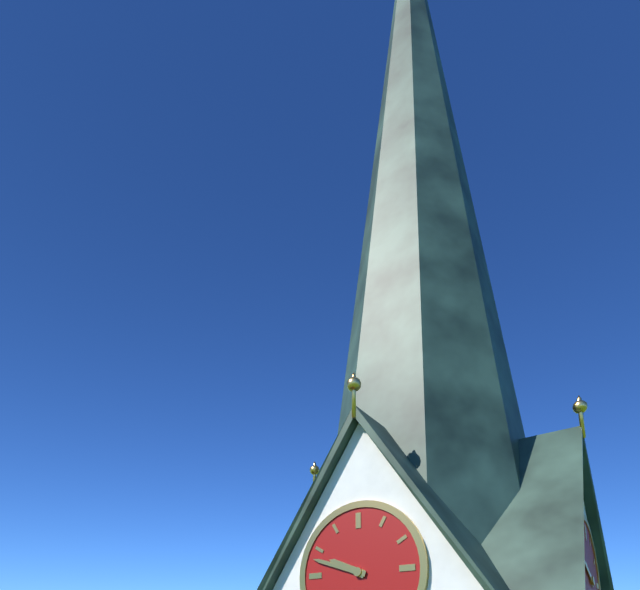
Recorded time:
h=9 m=48
